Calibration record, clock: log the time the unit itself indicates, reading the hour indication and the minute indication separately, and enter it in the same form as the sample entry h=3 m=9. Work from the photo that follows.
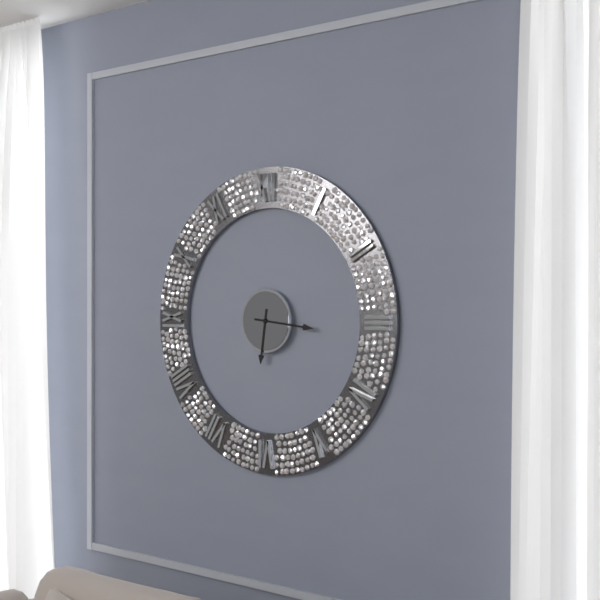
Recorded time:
h=6 m=16
